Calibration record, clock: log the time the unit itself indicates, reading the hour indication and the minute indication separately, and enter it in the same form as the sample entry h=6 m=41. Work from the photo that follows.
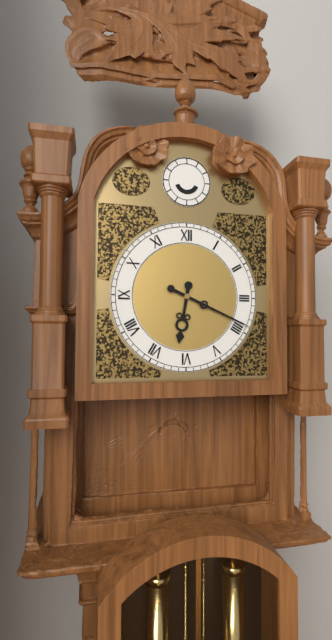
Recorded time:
h=6 m=19
